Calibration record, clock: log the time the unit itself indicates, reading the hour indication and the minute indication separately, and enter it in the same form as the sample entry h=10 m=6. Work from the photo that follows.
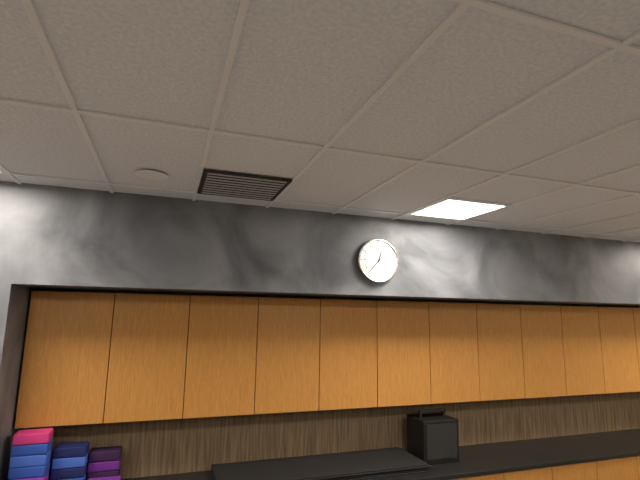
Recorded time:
h=12 m=37
